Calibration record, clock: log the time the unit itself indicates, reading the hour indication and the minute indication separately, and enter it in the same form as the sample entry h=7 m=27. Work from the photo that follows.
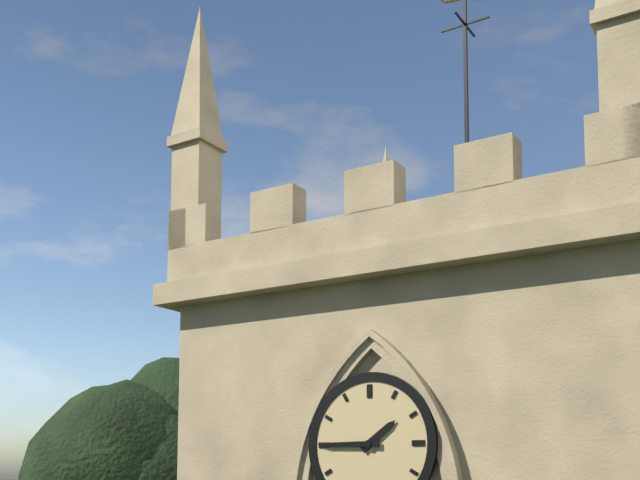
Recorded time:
h=1 m=45
